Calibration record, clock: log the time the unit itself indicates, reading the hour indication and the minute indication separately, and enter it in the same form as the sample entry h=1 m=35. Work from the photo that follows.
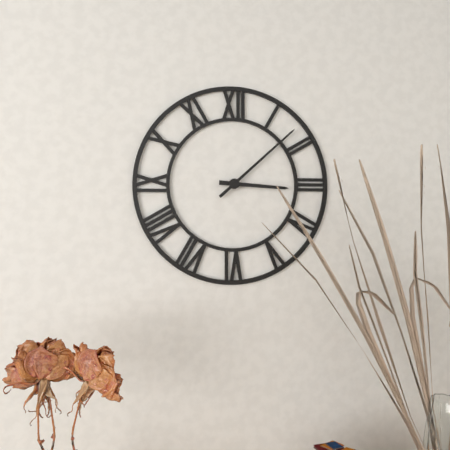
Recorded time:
h=3 m=8
